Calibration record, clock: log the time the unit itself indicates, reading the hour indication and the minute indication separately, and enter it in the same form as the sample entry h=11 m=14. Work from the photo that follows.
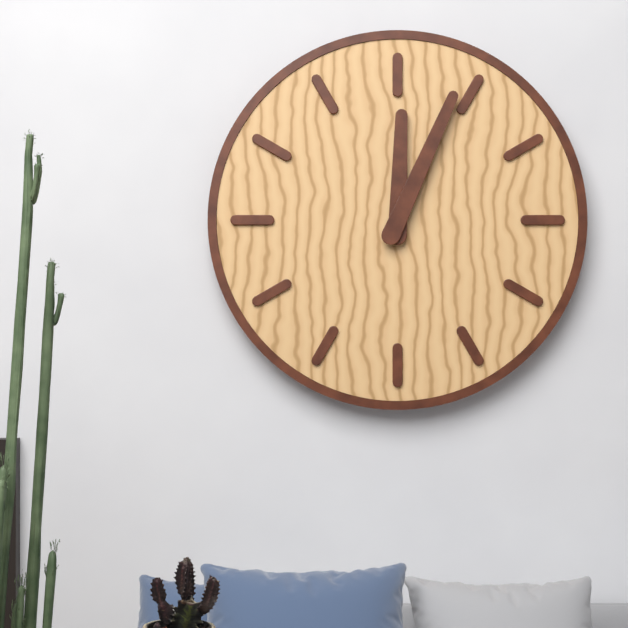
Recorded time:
h=12 m=4
